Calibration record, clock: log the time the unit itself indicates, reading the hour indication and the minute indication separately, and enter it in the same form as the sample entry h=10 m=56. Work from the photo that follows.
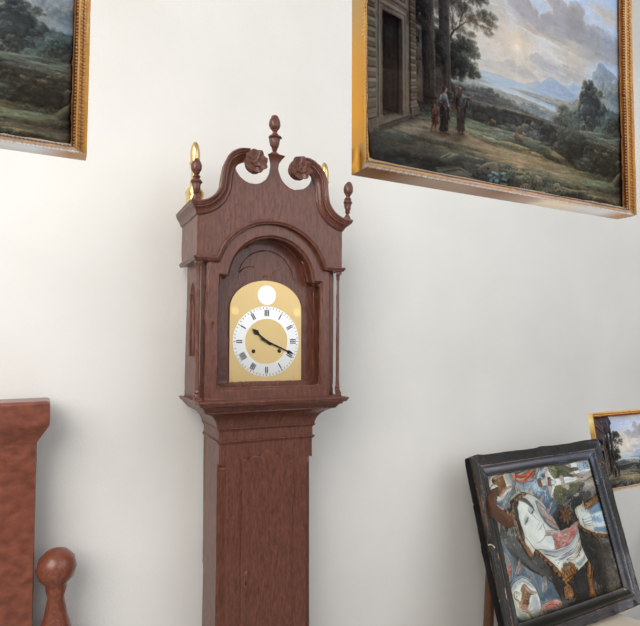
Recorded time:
h=10 m=19
